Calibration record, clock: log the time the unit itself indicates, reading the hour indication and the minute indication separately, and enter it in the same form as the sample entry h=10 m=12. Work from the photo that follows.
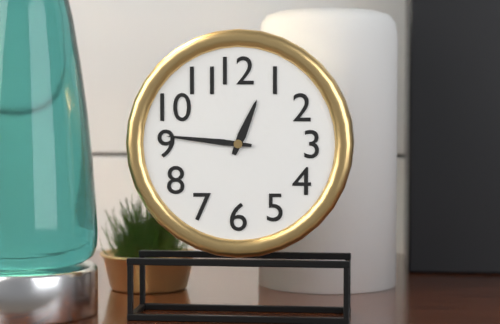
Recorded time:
h=12 m=46
